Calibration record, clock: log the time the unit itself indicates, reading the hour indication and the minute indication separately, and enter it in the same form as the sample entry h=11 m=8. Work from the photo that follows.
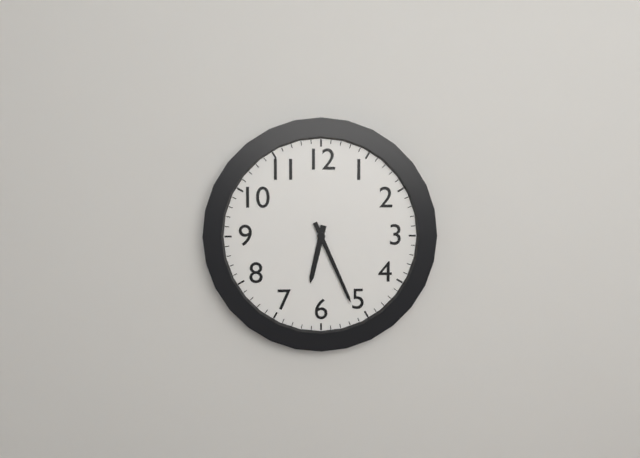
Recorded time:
h=6 m=26
